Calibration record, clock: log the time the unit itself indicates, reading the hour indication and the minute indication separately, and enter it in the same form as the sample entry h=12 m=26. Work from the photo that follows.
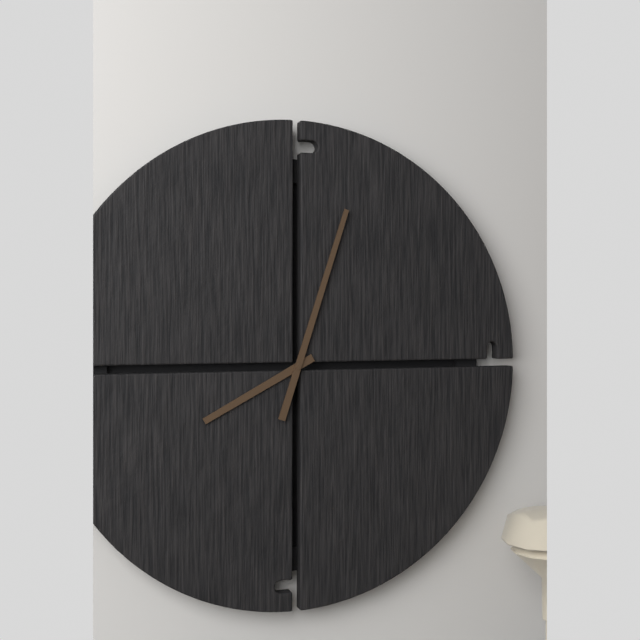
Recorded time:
h=8 m=3
